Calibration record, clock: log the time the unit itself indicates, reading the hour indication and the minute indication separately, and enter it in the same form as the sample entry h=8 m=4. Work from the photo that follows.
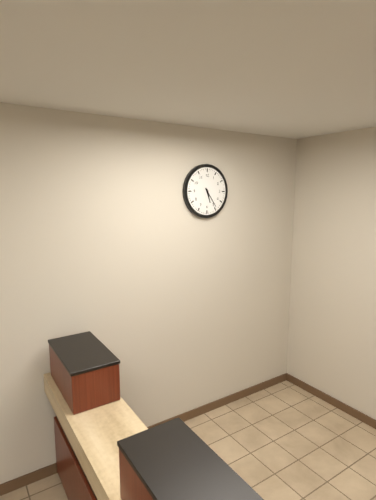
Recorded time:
h=5 m=24
